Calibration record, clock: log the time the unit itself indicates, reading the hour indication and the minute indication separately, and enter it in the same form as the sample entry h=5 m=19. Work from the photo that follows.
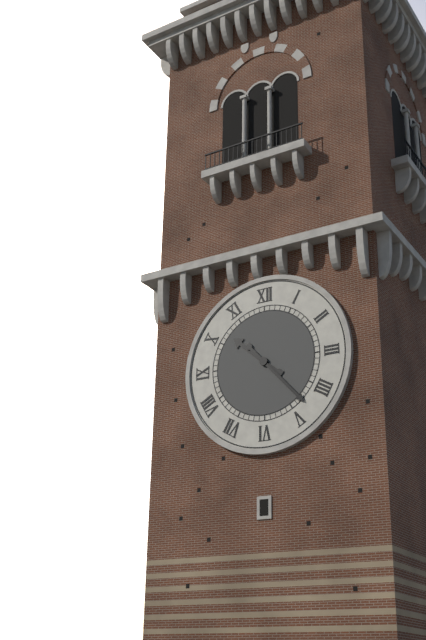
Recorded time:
h=10 m=23
